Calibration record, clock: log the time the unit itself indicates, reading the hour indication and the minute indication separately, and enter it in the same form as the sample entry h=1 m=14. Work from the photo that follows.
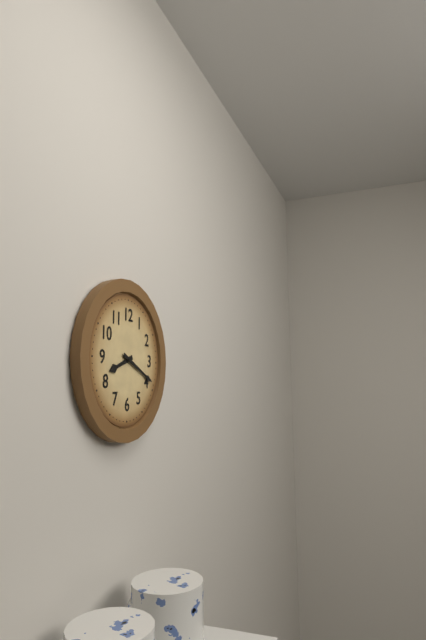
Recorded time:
h=8 m=19
